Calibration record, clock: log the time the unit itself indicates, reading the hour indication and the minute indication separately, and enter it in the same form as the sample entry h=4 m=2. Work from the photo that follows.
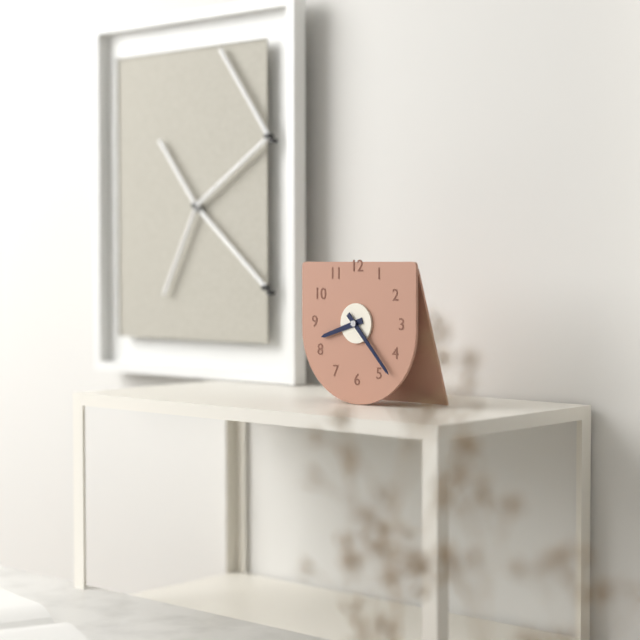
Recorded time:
h=8 m=23
